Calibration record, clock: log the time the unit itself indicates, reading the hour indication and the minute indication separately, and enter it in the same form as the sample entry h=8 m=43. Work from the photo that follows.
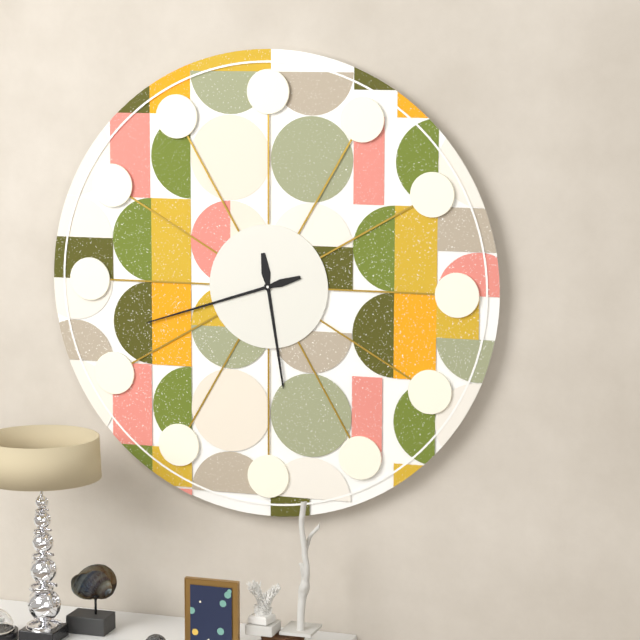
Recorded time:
h=5 m=42
